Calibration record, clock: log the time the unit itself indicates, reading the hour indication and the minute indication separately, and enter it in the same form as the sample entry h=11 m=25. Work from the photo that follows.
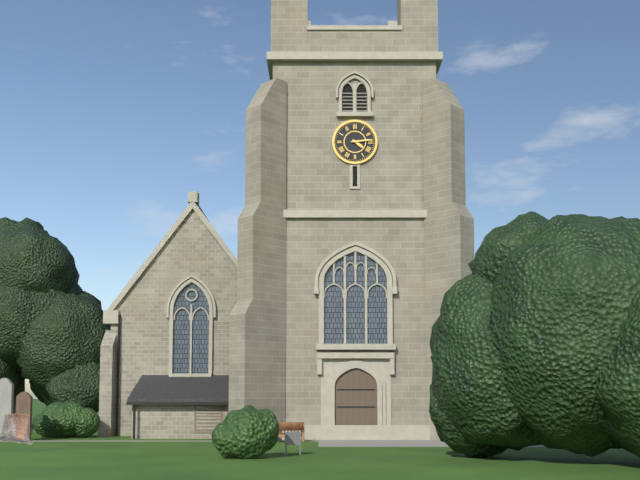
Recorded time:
h=4 m=14
